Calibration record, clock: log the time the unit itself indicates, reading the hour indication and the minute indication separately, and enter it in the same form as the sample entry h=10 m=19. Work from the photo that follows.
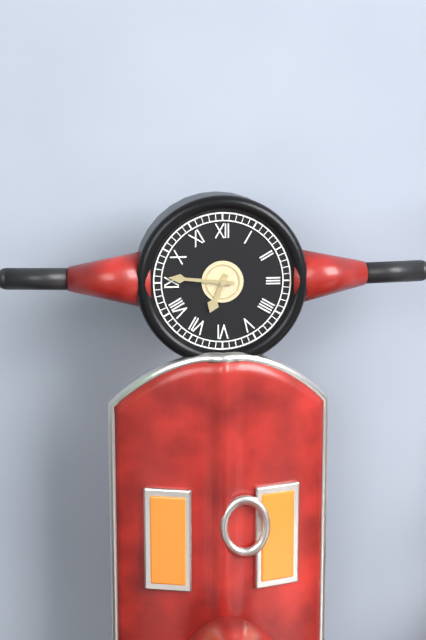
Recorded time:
h=6 m=46
